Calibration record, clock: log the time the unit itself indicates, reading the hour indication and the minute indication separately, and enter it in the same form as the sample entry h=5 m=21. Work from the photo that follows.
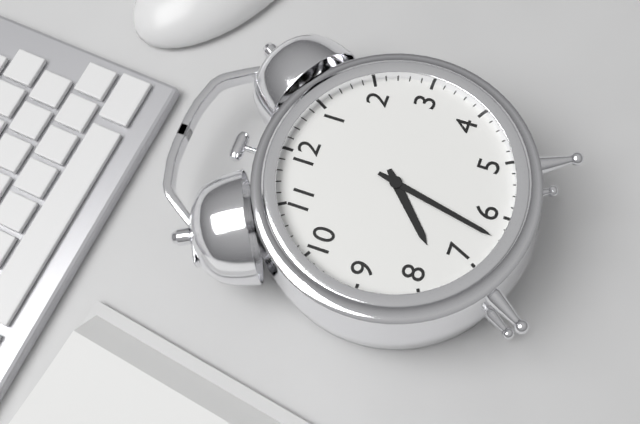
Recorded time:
h=7 m=32
